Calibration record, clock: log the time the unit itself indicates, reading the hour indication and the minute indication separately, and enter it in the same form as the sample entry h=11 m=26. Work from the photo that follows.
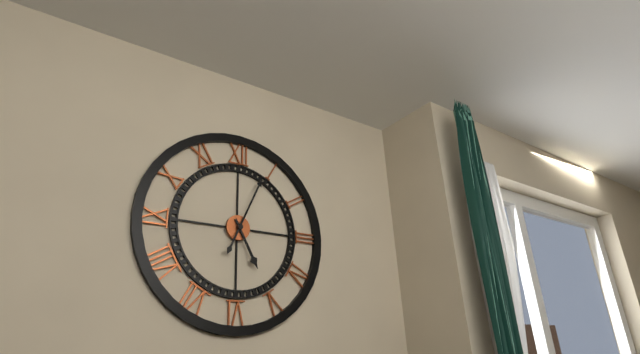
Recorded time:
h=5 m=4
